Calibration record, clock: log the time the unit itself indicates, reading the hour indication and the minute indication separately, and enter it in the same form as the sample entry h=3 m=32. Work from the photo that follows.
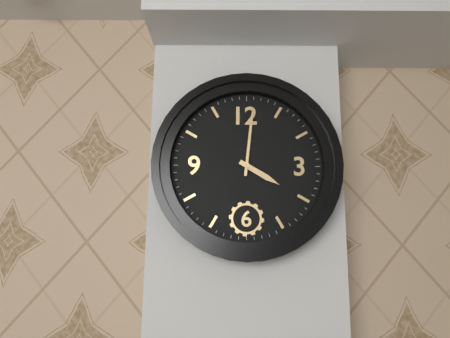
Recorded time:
h=4 m=1
